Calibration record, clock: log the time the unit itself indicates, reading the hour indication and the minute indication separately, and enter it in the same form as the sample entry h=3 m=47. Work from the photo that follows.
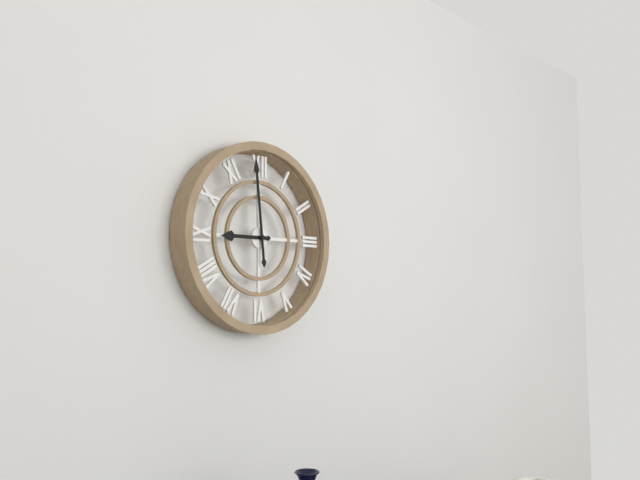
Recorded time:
h=8 m=59
